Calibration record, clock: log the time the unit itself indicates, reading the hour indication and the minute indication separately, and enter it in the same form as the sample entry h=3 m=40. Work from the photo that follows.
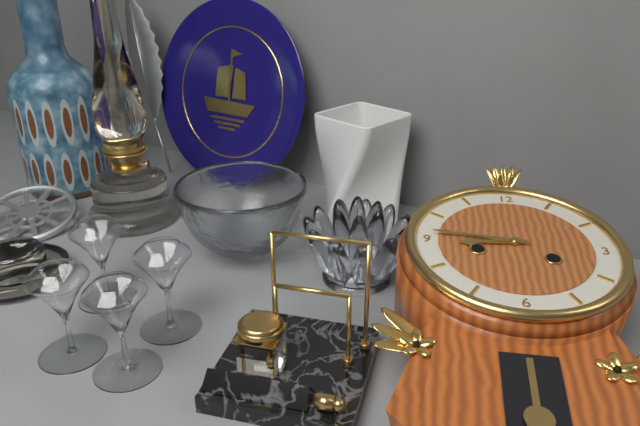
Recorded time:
h=8 m=46
